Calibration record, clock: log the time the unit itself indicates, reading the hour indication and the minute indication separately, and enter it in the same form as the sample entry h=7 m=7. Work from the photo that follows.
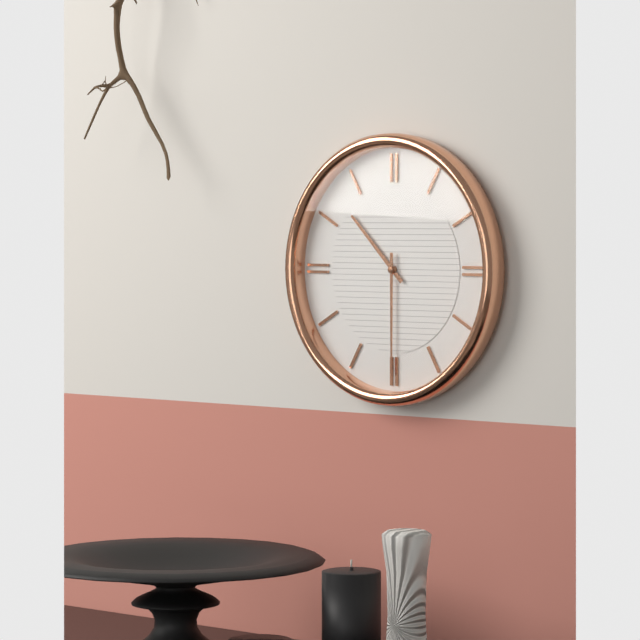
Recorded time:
h=10 m=30
